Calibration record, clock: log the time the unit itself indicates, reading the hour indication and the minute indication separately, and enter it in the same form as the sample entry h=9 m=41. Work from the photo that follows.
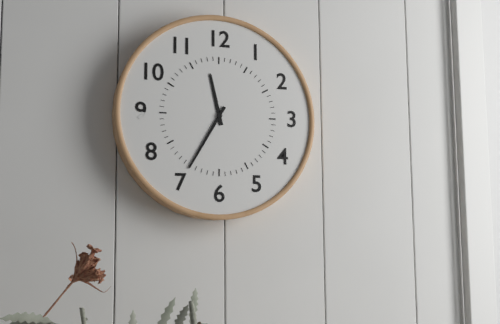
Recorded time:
h=11 m=35
